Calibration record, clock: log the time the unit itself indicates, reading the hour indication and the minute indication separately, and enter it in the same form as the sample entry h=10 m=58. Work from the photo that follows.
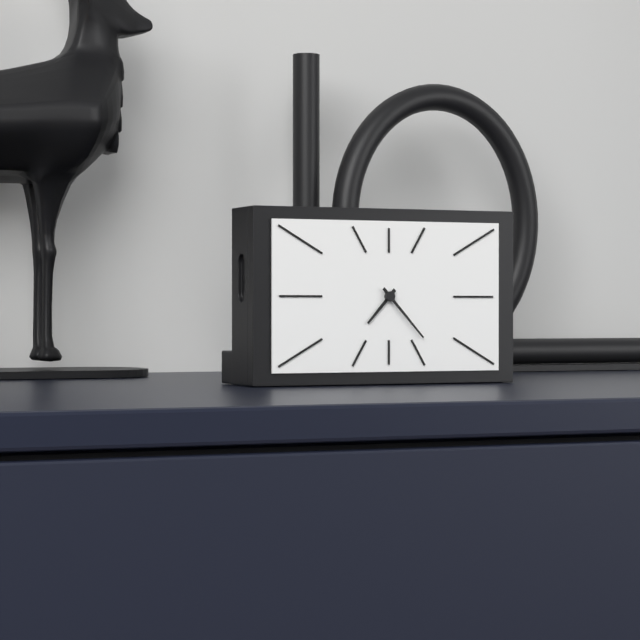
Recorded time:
h=7 m=23
